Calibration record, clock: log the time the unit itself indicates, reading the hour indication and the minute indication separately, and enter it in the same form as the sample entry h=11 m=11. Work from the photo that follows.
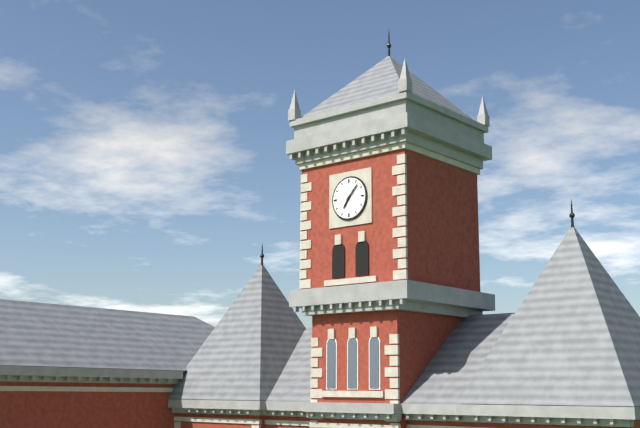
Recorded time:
h=7 m=7
